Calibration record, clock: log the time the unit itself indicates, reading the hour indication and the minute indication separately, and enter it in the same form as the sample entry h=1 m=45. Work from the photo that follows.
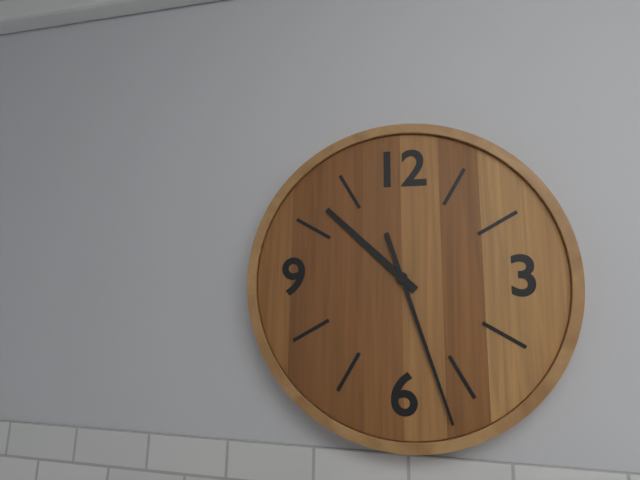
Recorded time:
h=10 m=27
